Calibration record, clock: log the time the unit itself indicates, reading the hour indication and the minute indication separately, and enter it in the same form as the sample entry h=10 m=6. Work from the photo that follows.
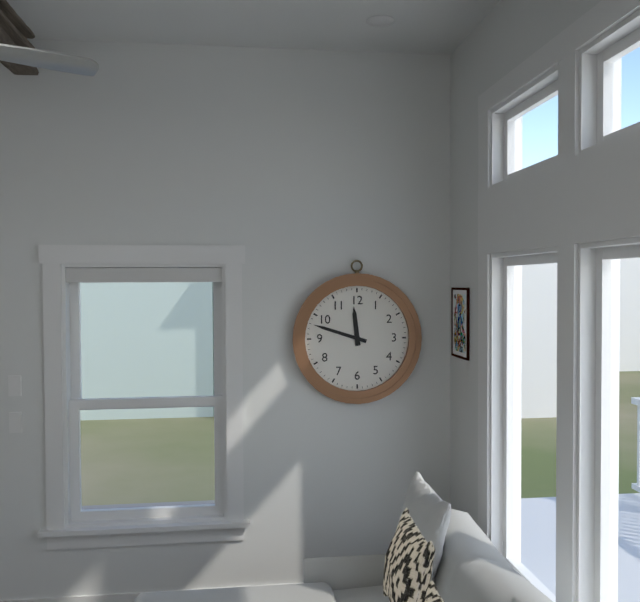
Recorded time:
h=11 m=48
